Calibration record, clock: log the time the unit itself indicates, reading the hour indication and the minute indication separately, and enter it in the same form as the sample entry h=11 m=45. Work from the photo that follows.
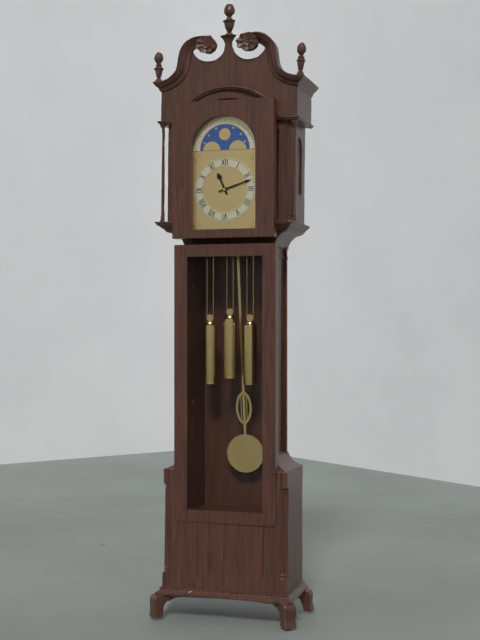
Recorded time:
h=11 m=12
